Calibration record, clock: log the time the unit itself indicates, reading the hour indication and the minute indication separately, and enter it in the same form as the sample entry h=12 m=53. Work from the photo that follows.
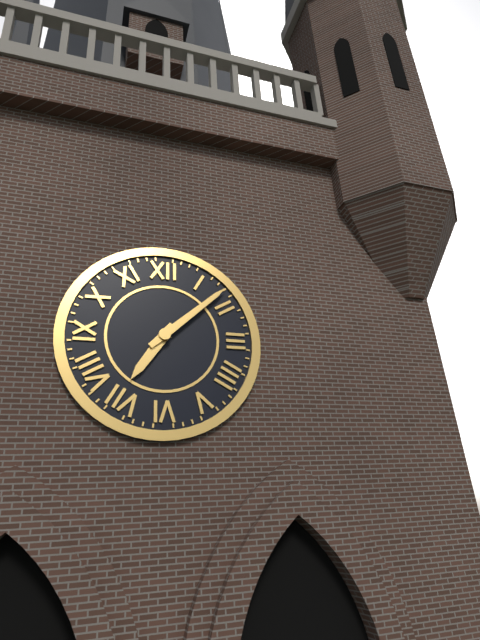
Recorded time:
h=7 m=8
